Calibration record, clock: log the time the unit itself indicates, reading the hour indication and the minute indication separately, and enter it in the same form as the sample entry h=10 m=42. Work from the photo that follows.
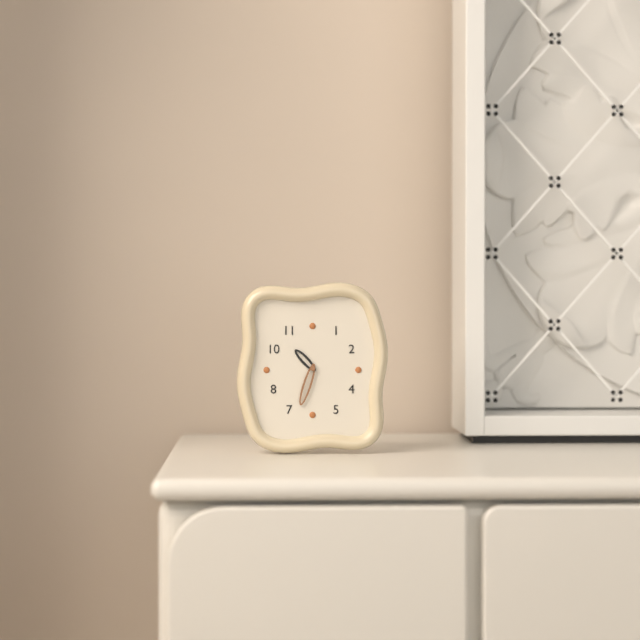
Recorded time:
h=10 m=33
